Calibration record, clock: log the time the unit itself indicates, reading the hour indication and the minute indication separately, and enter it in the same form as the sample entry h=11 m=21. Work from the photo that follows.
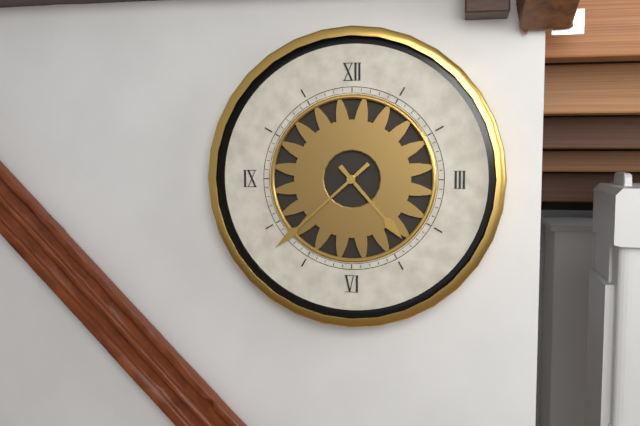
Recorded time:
h=4 m=38
